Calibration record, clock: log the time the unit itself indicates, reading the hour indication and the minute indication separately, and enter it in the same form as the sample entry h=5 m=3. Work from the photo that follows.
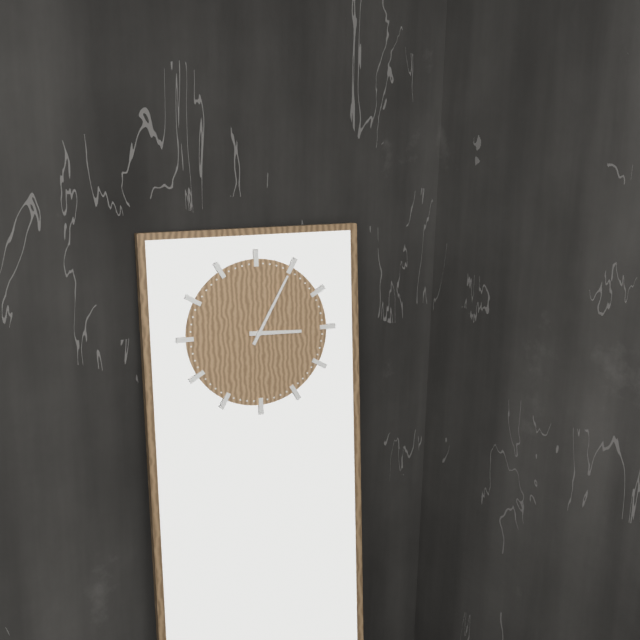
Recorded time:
h=3 m=5
